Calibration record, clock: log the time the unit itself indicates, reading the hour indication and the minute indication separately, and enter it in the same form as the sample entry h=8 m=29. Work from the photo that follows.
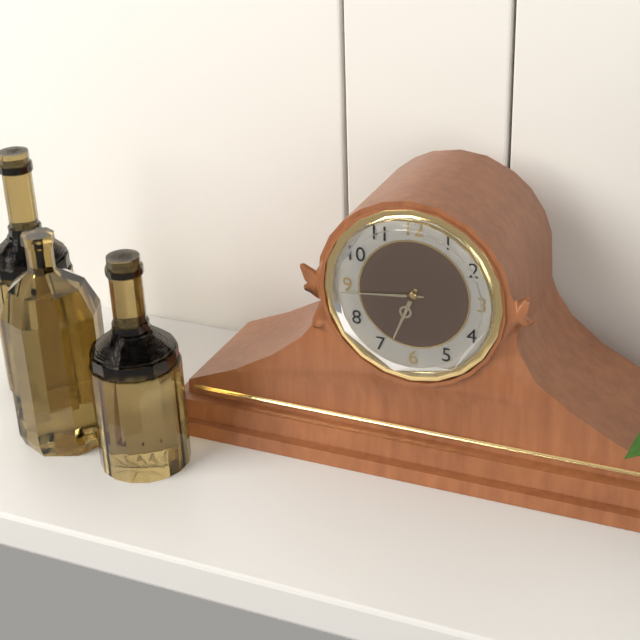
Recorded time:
h=6 m=44
